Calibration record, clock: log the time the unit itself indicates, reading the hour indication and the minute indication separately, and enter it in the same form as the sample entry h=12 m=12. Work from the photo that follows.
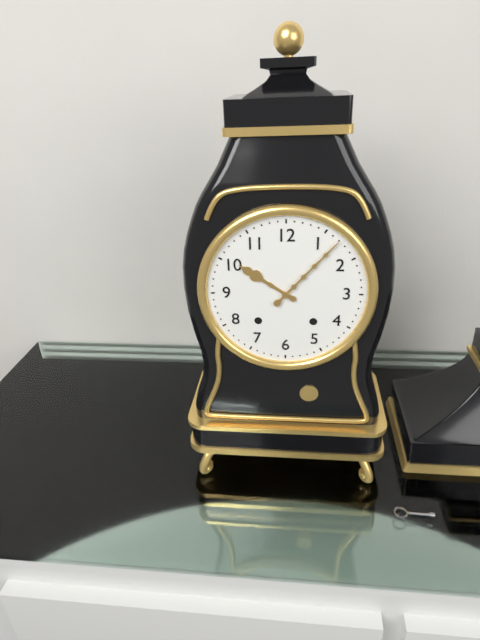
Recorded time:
h=10 m=7
